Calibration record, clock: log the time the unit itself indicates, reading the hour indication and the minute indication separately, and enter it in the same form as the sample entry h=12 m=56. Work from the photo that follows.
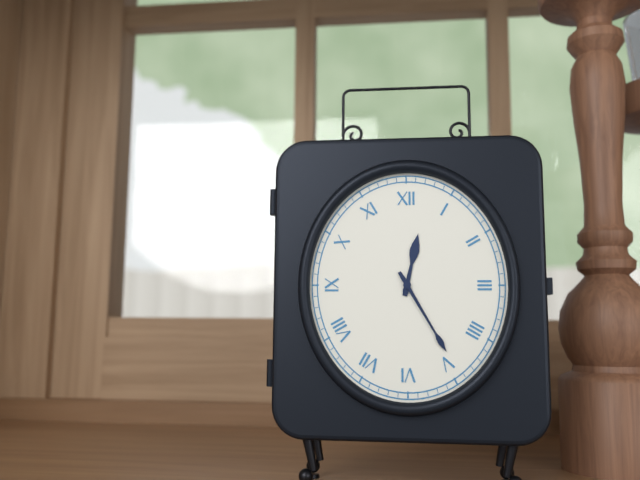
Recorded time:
h=12 m=25
